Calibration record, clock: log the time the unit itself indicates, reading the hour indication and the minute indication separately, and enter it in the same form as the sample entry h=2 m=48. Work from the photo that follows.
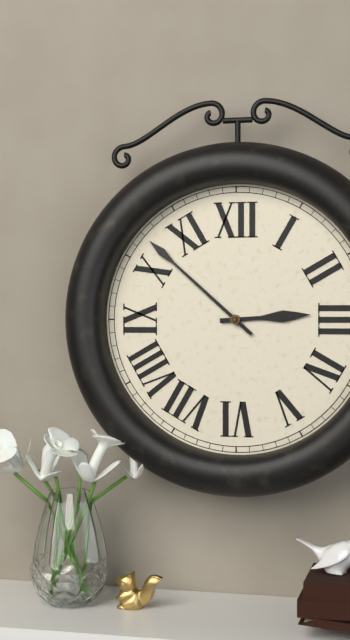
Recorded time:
h=2 m=52
